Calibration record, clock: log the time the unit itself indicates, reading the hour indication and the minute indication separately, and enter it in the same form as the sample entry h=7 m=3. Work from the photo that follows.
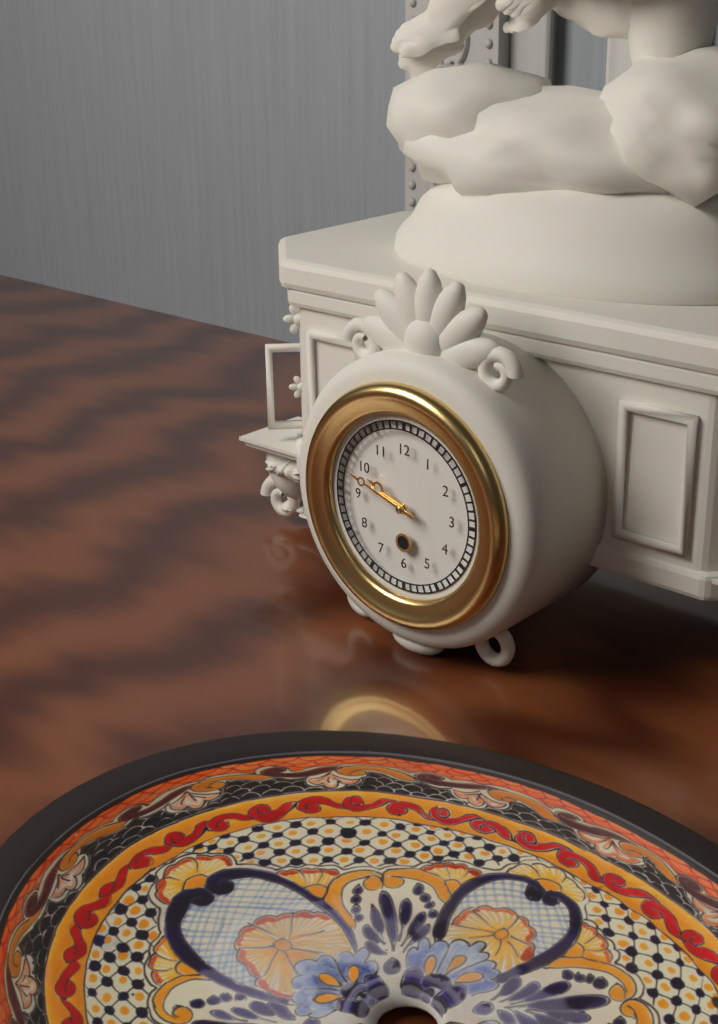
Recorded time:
h=9 m=48
